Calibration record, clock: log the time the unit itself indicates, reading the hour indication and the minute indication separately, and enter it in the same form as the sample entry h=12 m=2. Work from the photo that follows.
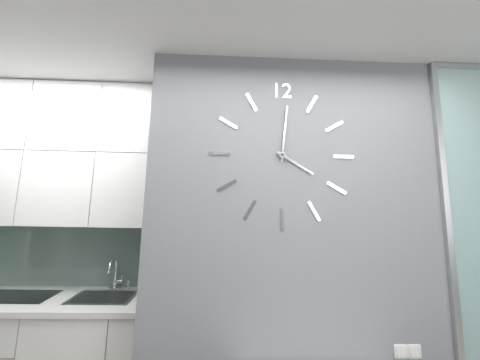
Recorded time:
h=4 m=1
